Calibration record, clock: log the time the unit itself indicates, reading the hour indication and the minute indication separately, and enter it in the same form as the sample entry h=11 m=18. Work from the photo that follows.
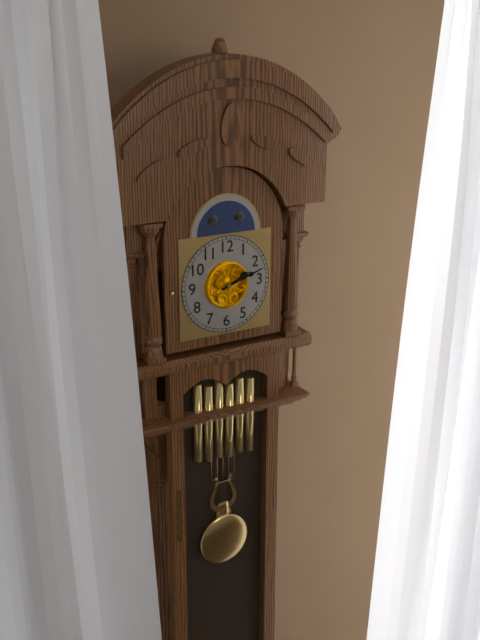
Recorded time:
h=2 m=12
